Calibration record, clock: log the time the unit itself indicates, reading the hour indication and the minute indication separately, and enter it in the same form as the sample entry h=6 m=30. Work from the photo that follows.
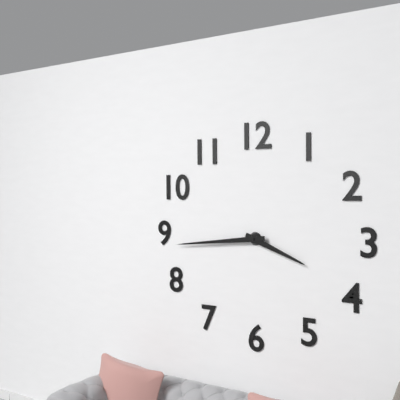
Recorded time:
h=3 m=44
